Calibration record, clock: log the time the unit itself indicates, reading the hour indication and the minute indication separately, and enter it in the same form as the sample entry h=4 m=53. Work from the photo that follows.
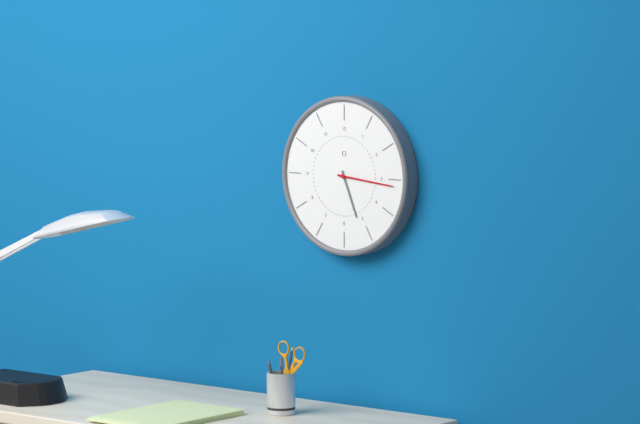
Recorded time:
h=5 m=16
